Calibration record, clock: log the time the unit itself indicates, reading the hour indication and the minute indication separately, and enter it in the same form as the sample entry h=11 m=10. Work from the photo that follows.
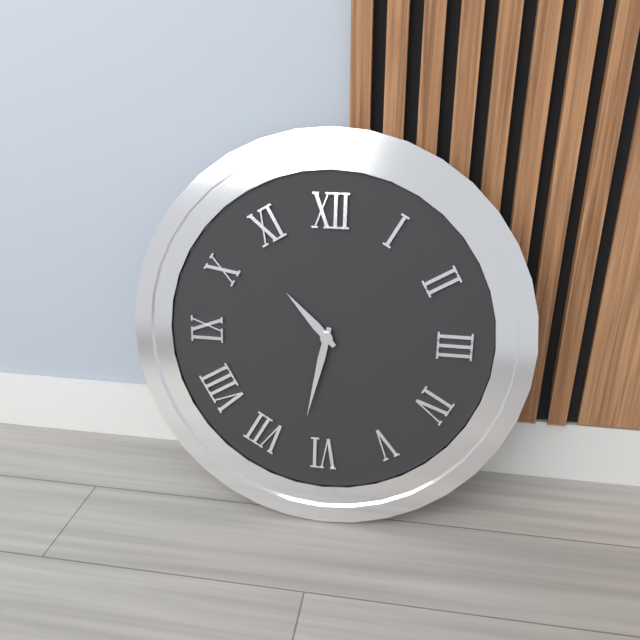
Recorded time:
h=10 m=32
